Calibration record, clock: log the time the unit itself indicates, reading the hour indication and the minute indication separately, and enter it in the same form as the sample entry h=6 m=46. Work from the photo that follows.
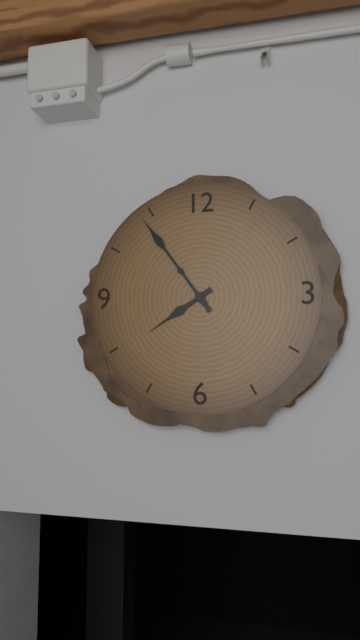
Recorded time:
h=7 m=54
